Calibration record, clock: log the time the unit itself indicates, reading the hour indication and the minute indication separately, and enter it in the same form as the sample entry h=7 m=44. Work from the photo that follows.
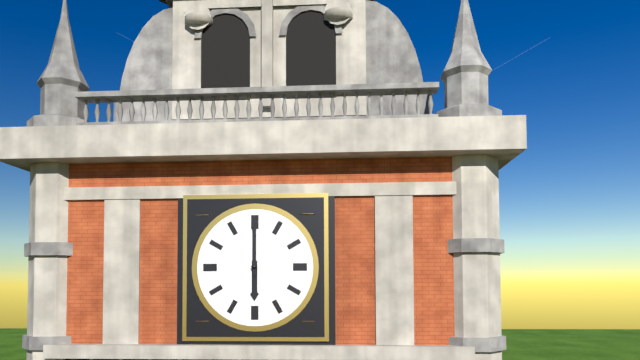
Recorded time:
h=6 m=0
